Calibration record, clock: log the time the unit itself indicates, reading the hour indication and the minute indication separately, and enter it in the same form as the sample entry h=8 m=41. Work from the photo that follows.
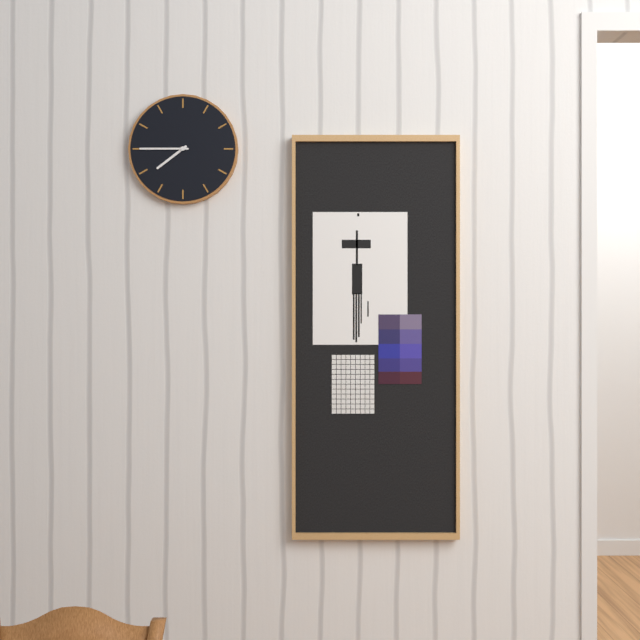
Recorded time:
h=7 m=45
